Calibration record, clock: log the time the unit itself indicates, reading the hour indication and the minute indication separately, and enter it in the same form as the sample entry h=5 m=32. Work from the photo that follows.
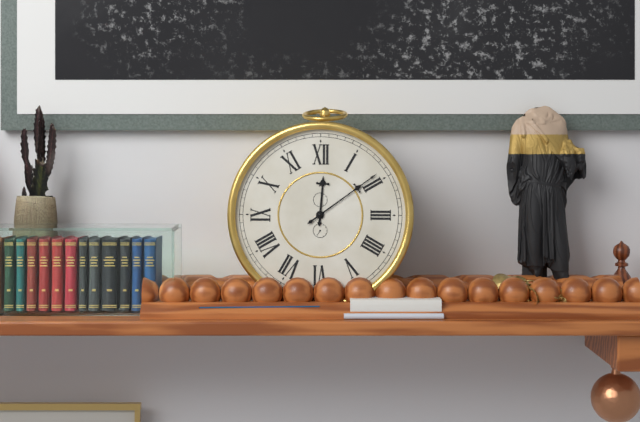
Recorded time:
h=12 m=9
